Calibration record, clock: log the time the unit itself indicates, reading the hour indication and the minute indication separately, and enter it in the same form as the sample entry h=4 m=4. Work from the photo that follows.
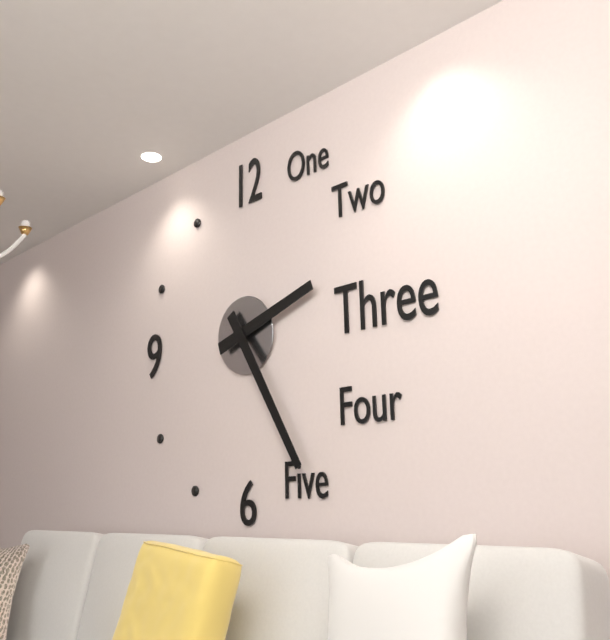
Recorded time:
h=2 m=25
